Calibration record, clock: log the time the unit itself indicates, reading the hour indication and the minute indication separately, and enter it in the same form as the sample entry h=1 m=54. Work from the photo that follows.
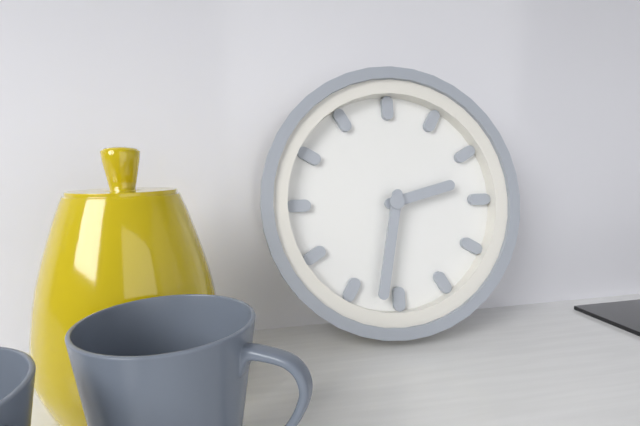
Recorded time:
h=2 m=32
